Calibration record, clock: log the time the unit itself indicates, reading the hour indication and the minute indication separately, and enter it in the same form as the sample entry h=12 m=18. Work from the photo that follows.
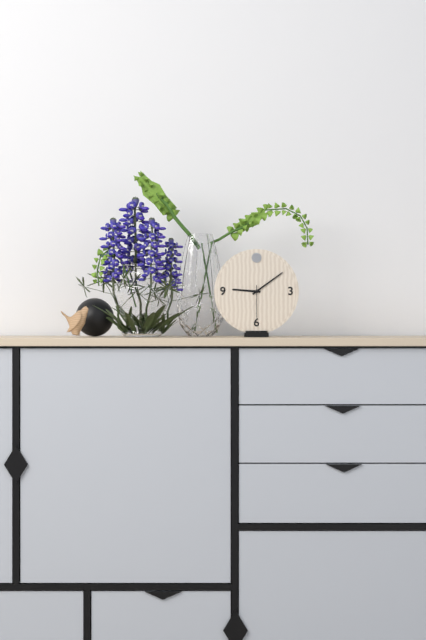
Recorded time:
h=9 m=9
